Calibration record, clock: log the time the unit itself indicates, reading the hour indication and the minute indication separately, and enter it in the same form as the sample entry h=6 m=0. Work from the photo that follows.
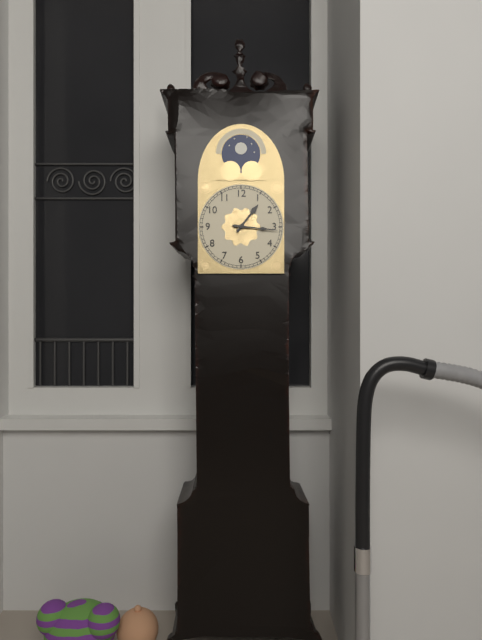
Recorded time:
h=1 m=16
